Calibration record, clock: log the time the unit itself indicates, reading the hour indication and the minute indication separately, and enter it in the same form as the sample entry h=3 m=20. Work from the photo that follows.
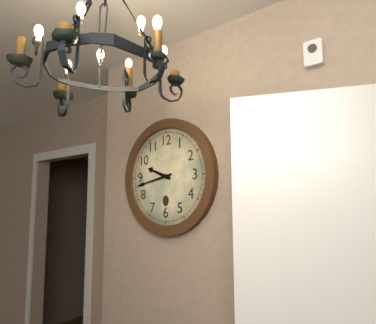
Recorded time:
h=9 m=43
